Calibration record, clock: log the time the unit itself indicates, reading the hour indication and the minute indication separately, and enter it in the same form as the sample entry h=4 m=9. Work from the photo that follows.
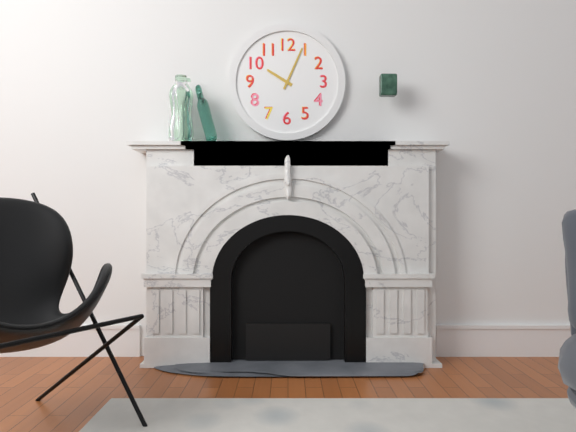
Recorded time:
h=10 m=4
